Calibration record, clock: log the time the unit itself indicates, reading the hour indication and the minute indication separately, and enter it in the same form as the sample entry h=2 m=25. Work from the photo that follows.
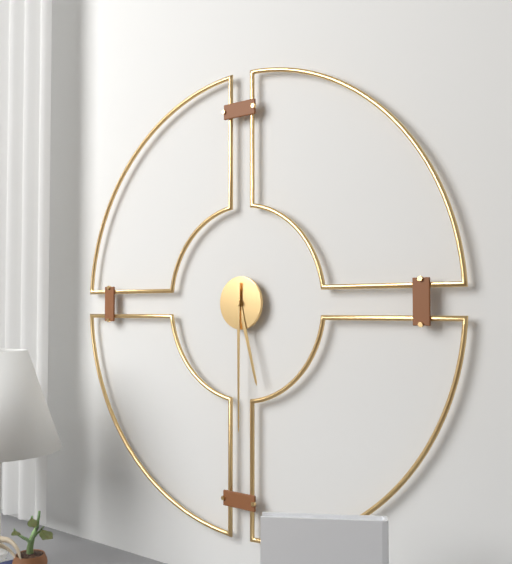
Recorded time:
h=5 m=30
